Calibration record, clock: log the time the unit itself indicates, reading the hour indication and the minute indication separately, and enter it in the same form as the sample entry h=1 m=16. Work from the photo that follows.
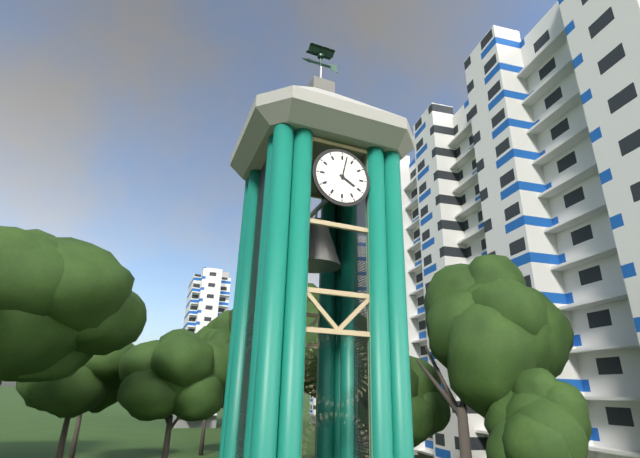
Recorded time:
h=4 m=2
